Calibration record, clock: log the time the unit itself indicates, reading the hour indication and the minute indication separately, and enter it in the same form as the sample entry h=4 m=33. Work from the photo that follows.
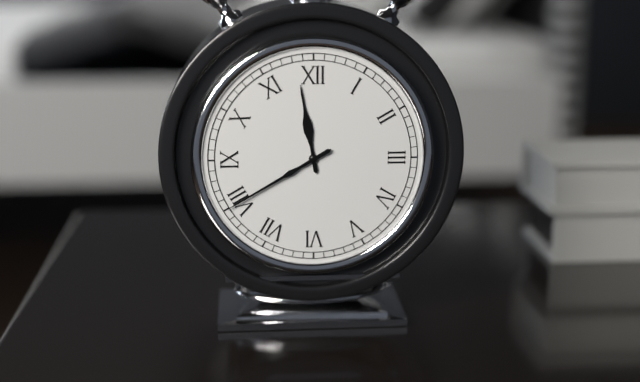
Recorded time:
h=11 m=40
